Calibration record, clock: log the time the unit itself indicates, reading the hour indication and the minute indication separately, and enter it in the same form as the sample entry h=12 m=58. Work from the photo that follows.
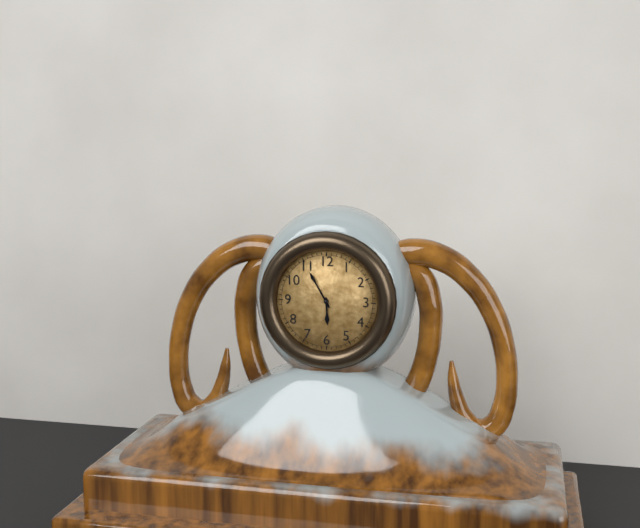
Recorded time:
h=5 m=55
